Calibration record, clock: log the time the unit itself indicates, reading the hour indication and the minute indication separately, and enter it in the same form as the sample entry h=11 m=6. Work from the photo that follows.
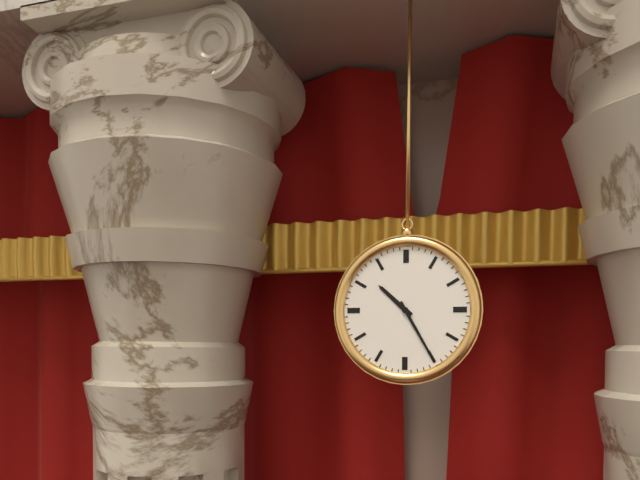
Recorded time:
h=10 m=25
